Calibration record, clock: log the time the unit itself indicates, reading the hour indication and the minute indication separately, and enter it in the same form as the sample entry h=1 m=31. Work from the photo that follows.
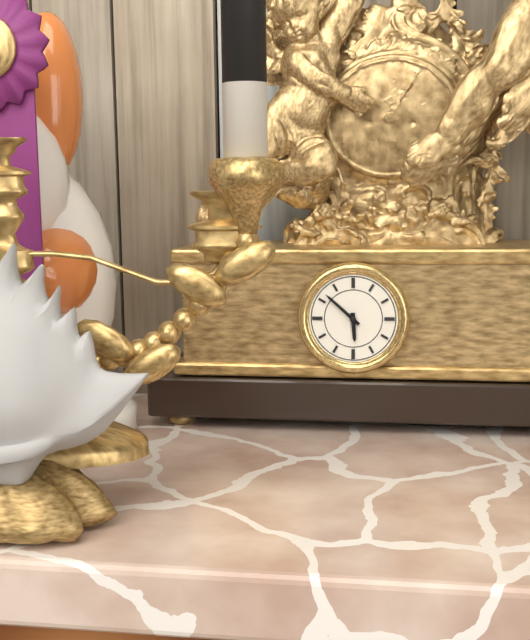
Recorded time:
h=5 m=52
